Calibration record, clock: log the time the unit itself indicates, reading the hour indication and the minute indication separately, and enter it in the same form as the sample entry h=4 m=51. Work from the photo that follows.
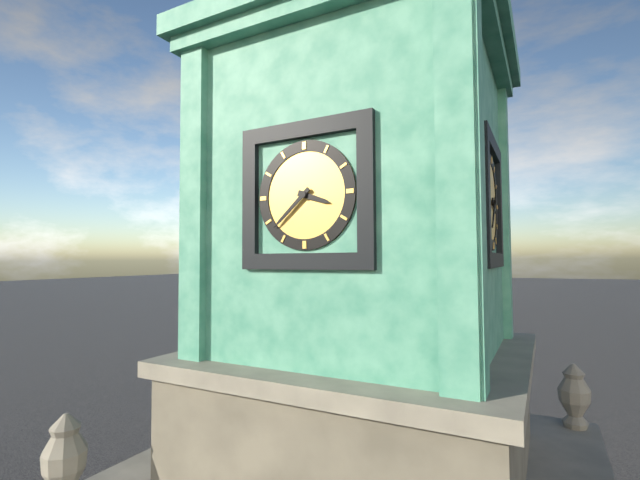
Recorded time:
h=3 m=38
